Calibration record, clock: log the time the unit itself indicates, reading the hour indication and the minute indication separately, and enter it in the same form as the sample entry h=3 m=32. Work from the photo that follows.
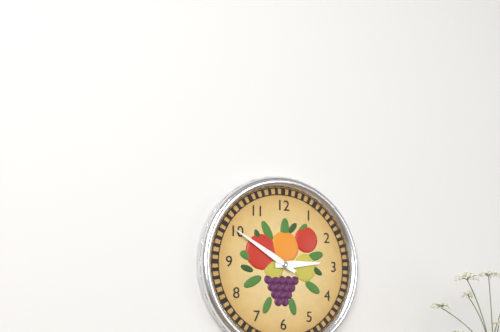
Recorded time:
h=2 m=50
